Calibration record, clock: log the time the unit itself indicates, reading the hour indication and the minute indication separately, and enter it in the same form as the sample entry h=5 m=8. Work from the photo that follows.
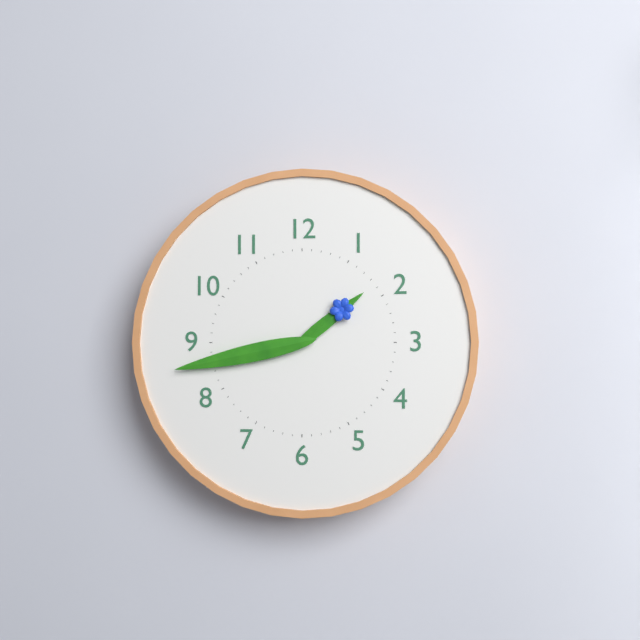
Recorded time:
h=1 m=43
